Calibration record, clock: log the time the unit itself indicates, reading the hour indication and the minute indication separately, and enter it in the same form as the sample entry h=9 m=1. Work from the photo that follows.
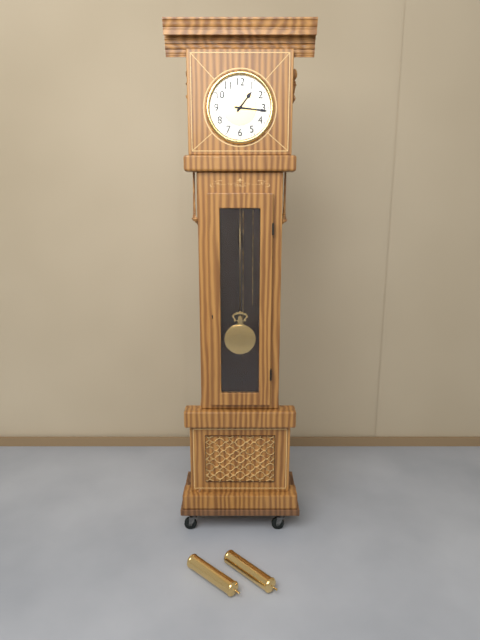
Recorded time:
h=1 m=16
